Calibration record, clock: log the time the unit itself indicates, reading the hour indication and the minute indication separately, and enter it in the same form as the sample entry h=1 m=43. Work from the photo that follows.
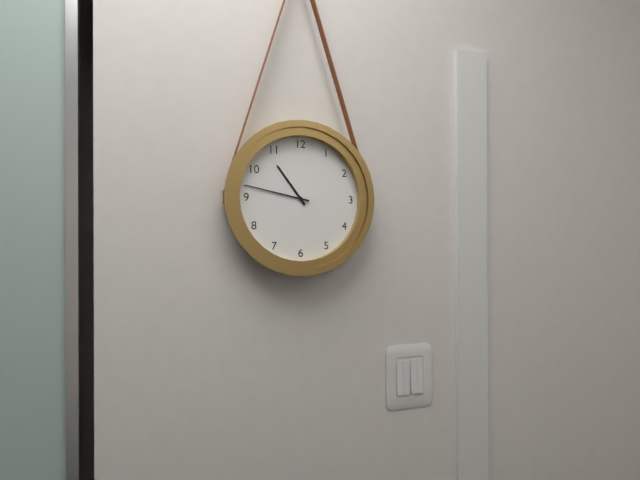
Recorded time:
h=10 m=47
